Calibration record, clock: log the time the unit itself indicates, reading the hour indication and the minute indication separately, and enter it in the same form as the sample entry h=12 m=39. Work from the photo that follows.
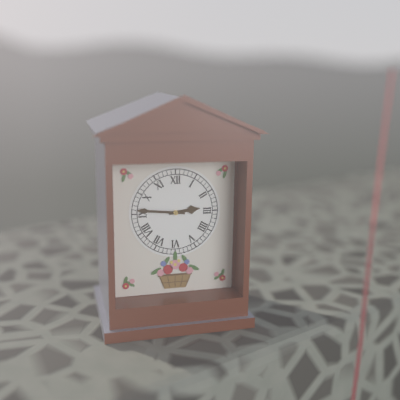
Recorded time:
h=2 m=46
